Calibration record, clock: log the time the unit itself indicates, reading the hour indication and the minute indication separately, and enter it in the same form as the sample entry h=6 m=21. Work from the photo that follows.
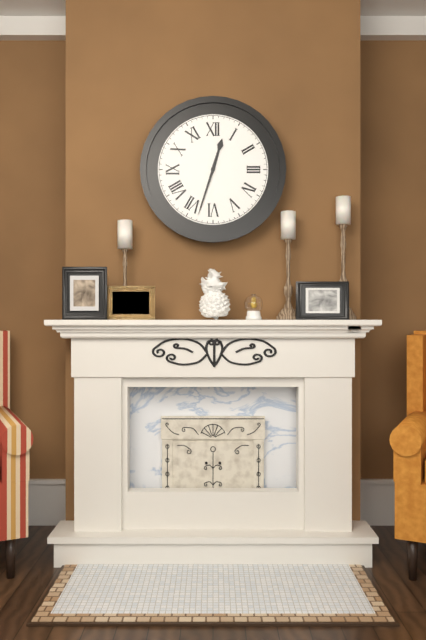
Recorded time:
h=12 m=33
